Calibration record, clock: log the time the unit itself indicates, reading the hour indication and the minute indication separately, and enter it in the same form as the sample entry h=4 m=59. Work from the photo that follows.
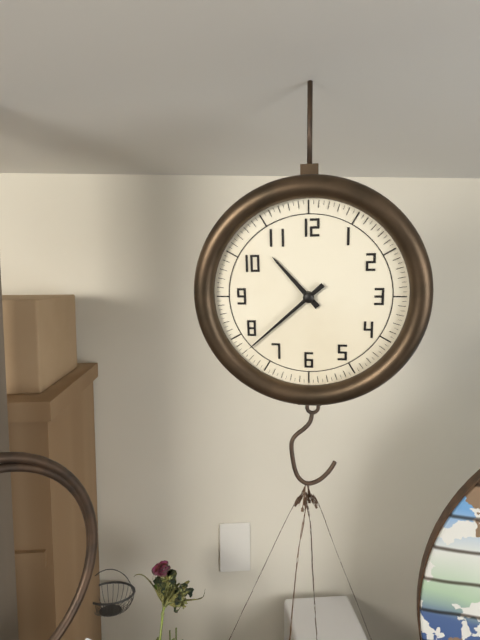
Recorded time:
h=10 m=38
